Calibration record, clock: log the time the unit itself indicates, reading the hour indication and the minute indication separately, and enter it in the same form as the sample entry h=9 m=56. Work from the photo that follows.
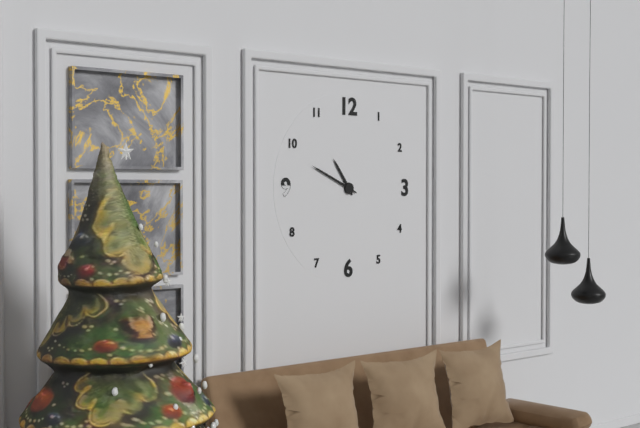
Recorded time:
h=10 m=49
